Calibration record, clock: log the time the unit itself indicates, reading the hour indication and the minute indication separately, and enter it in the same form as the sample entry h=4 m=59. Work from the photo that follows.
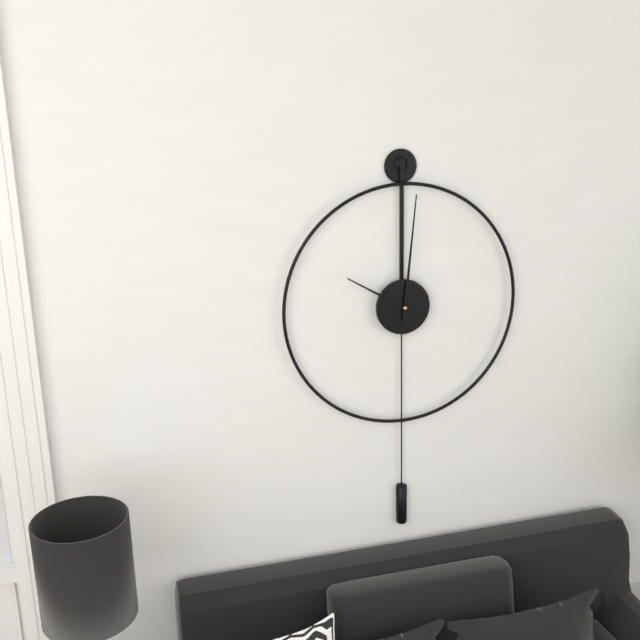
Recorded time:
h=10 m=1
